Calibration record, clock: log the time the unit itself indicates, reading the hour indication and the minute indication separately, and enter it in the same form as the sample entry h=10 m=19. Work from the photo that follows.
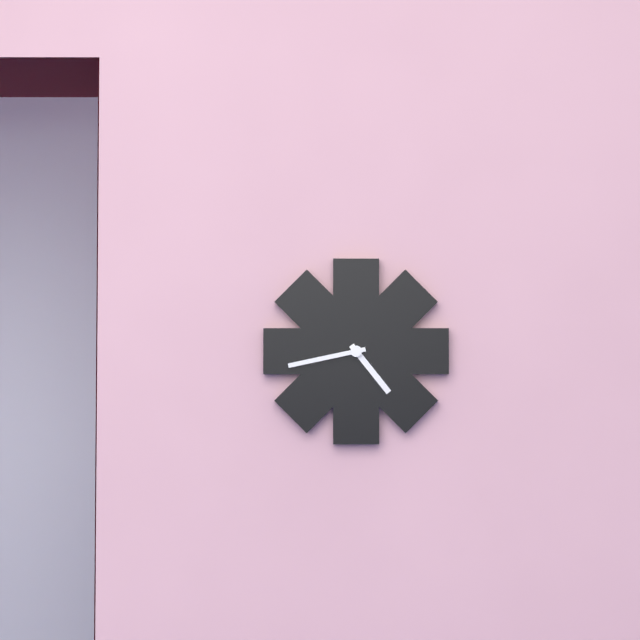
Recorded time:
h=4 m=43
